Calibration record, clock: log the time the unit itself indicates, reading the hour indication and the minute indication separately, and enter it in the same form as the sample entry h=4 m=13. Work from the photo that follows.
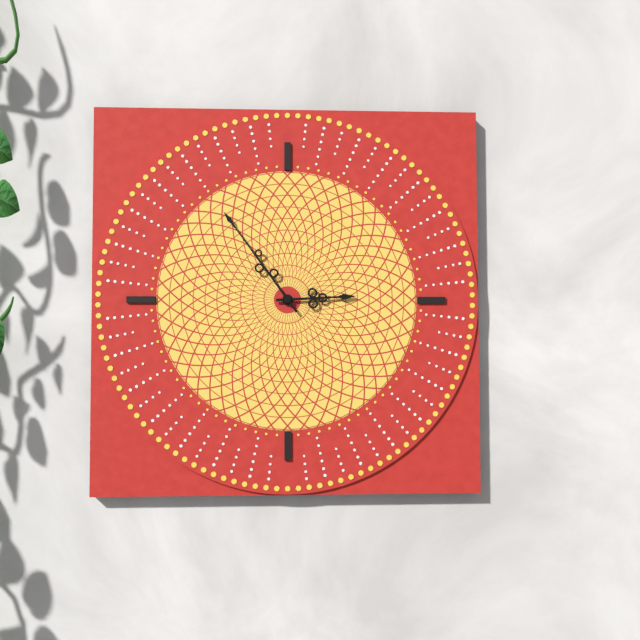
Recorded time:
h=2 m=54
